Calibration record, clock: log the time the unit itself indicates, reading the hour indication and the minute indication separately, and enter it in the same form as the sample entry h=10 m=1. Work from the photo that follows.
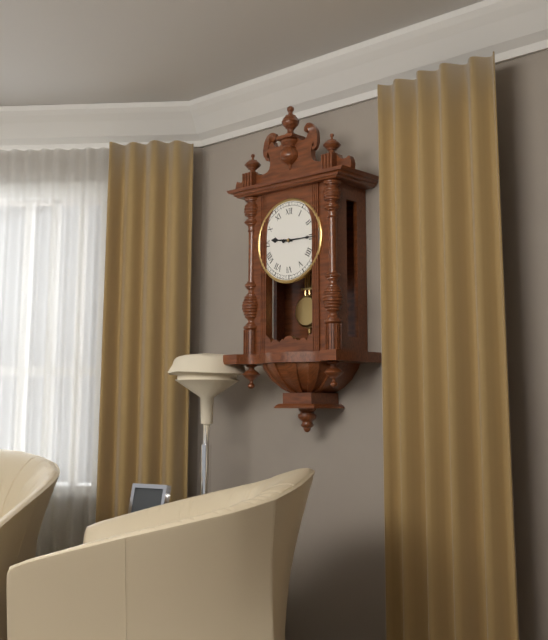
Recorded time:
h=9 m=15
